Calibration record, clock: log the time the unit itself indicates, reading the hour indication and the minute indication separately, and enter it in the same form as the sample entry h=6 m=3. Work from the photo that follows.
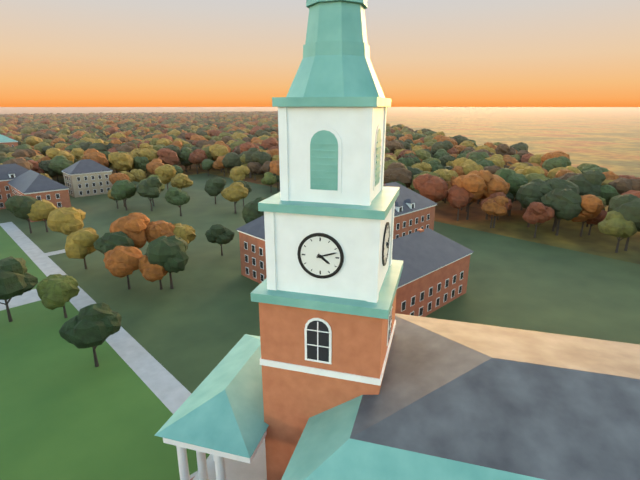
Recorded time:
h=4 m=12
